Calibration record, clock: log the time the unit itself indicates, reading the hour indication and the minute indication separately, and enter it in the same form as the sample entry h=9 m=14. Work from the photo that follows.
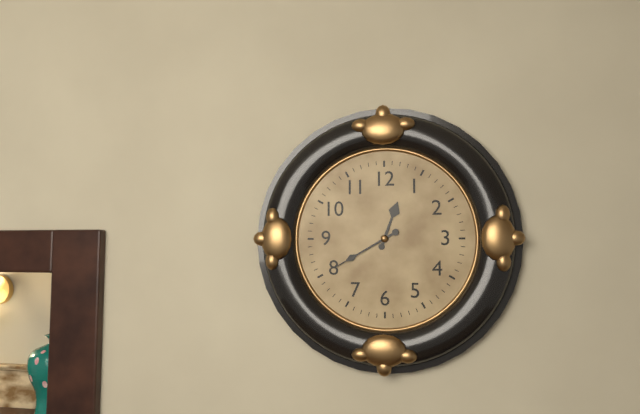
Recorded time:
h=12 m=40
